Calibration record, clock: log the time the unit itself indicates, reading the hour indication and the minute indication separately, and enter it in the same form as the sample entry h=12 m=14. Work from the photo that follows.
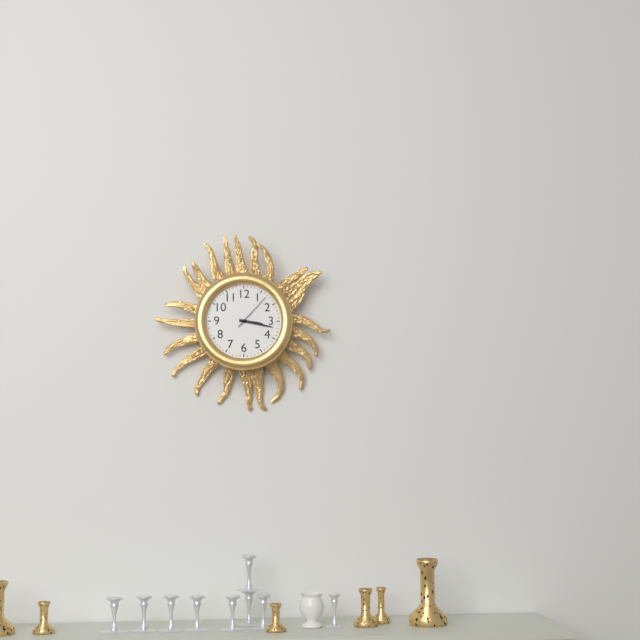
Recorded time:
h=3 m=17
